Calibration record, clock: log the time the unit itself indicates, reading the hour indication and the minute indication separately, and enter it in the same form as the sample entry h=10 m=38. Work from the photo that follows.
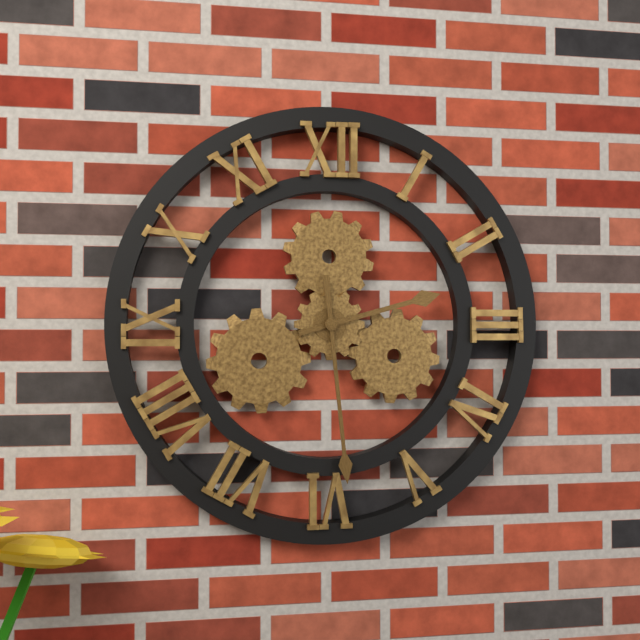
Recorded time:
h=2 m=29
